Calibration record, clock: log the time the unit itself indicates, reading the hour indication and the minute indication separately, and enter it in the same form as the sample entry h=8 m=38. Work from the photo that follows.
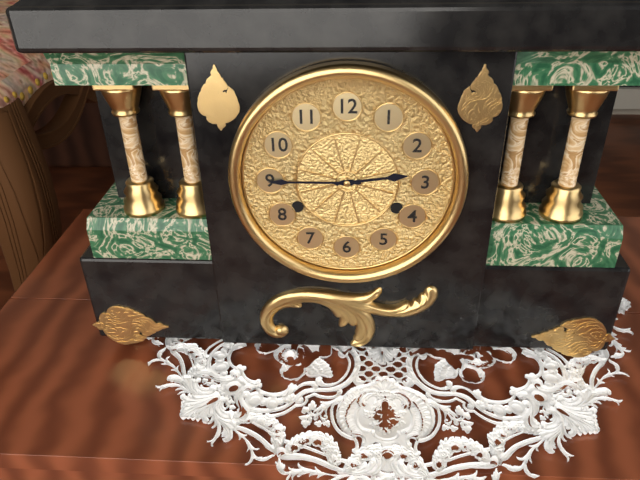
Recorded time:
h=2 m=45
